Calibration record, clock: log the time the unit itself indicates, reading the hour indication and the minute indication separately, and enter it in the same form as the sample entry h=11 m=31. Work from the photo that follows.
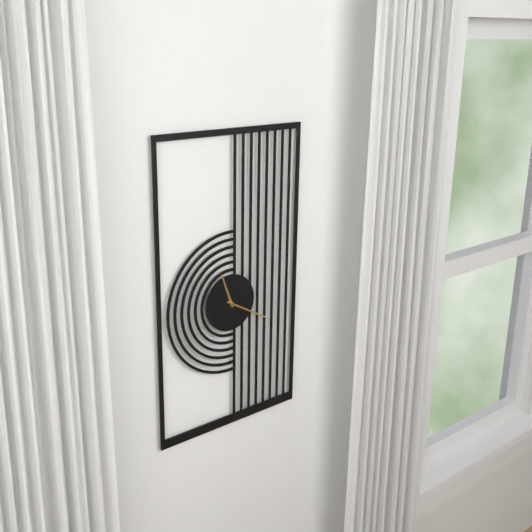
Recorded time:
h=11 m=20
